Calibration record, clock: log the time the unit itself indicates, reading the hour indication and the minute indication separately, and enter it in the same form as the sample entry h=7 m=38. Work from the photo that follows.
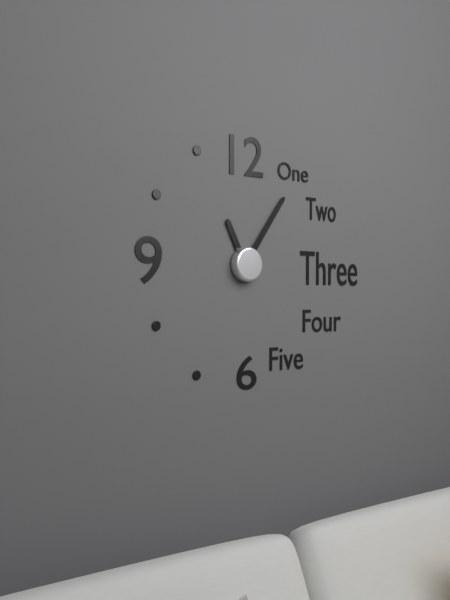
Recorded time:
h=11 m=6
